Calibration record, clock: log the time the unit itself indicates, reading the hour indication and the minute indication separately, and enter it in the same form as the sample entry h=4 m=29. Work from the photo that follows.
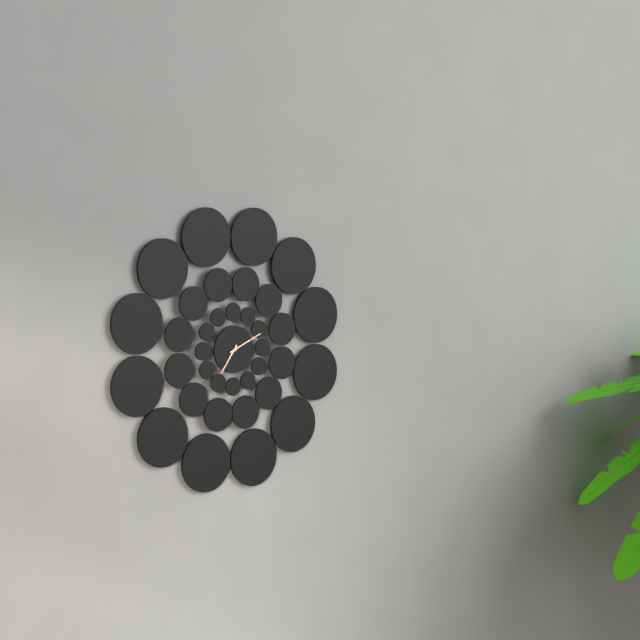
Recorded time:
h=7 m=11
